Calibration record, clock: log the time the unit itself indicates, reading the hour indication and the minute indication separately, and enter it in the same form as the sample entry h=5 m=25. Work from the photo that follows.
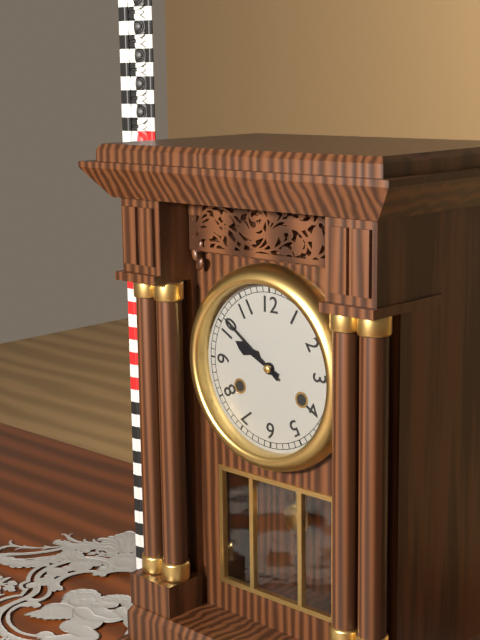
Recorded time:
h=9 m=51
